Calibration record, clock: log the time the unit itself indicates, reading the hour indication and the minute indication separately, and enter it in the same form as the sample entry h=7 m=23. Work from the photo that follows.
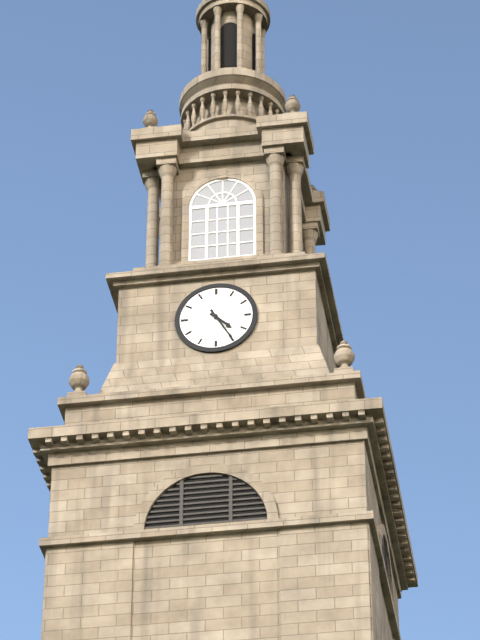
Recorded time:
h=4 m=25
